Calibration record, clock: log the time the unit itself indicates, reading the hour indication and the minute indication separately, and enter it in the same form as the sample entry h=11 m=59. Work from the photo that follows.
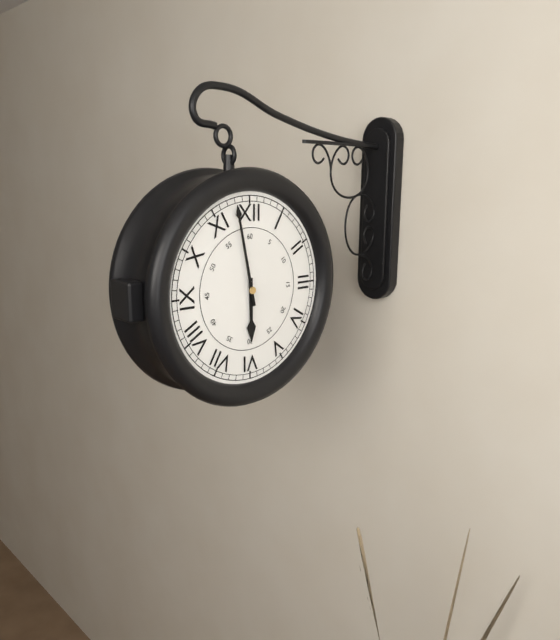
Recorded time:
h=5 m=58
